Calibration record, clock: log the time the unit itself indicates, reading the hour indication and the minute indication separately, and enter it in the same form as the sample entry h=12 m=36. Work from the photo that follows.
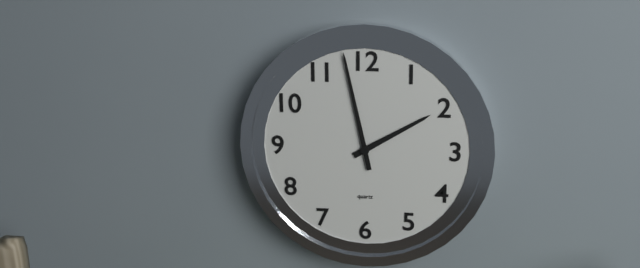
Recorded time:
h=1 m=58
